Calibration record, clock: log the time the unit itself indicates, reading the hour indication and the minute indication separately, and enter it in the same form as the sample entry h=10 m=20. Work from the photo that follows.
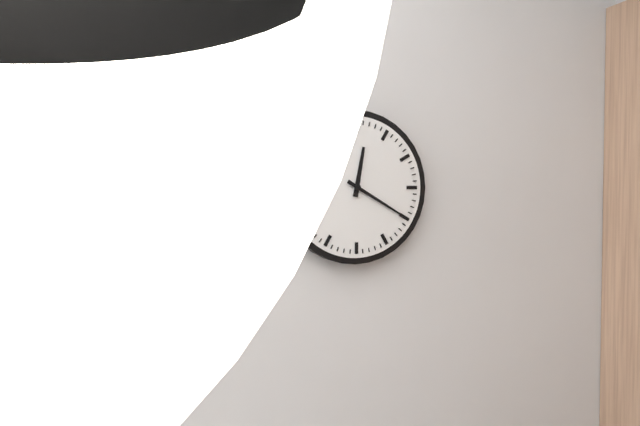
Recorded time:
h=12 m=20
